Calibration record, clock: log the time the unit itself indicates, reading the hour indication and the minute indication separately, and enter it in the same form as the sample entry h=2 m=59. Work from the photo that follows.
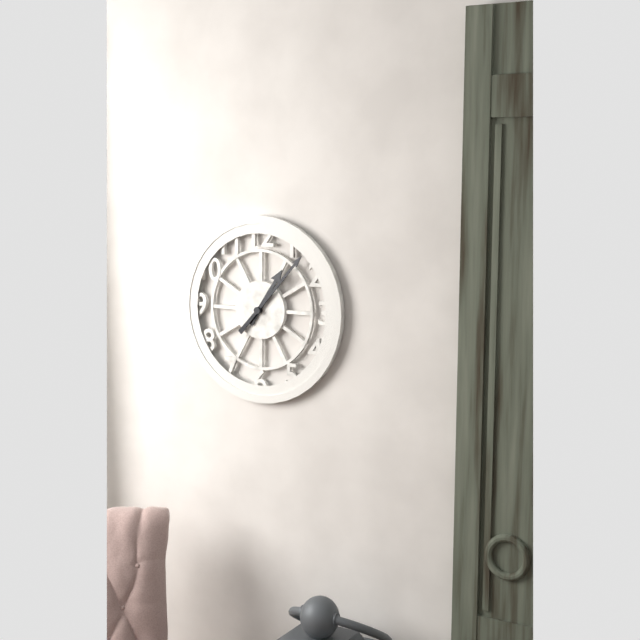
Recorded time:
h=1 m=7
